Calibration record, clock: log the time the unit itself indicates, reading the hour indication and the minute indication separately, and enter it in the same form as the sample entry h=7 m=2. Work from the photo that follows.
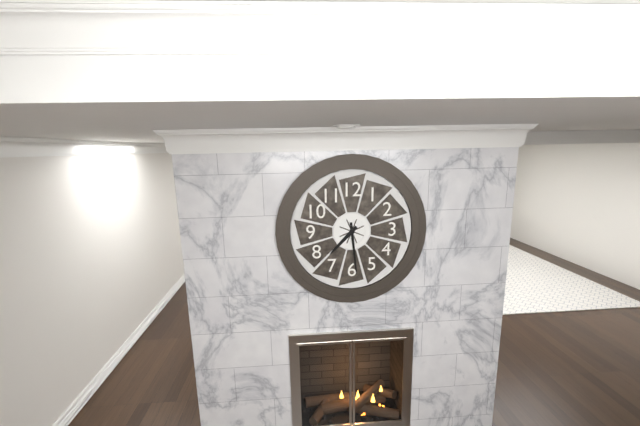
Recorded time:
h=7 m=29
